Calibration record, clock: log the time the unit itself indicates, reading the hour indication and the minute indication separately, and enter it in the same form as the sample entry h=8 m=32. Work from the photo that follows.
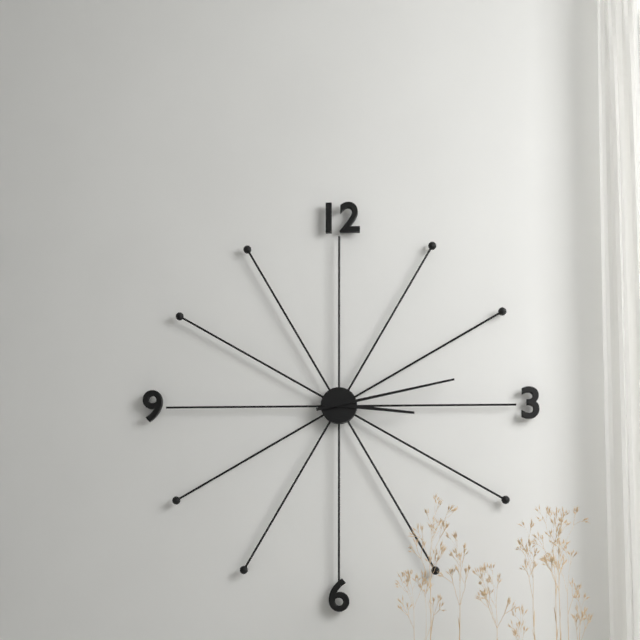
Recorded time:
h=3 m=13
